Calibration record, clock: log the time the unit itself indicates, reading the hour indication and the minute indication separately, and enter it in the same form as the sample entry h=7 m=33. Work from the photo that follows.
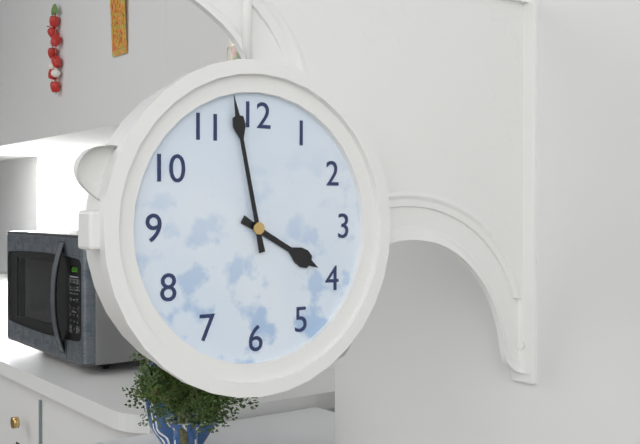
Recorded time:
h=3 m=58
